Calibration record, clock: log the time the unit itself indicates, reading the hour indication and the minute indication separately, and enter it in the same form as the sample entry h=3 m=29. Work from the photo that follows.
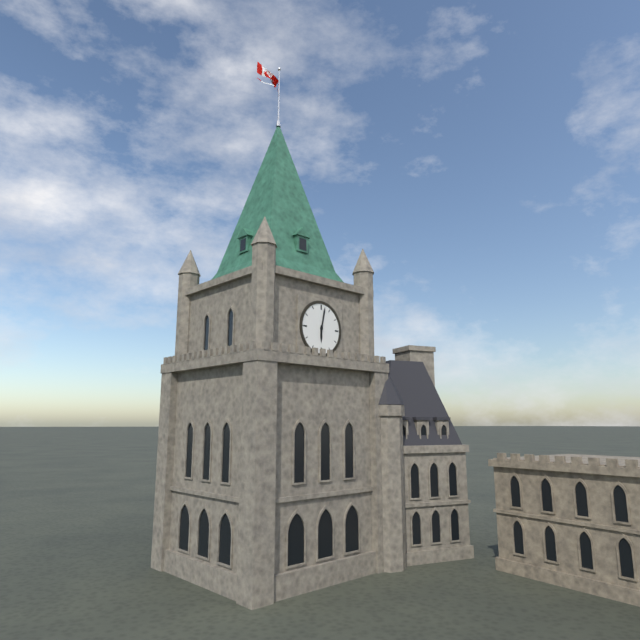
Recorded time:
h=6 m=2
